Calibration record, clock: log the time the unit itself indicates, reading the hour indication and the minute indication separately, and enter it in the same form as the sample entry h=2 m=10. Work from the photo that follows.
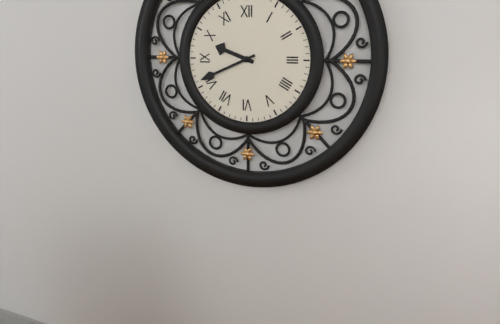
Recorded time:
h=9 m=41
